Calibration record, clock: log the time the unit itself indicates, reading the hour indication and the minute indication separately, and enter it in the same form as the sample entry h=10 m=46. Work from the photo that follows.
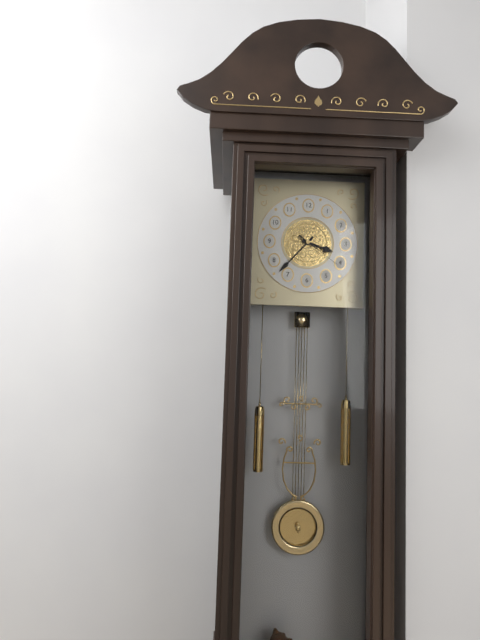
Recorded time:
h=3 m=37
